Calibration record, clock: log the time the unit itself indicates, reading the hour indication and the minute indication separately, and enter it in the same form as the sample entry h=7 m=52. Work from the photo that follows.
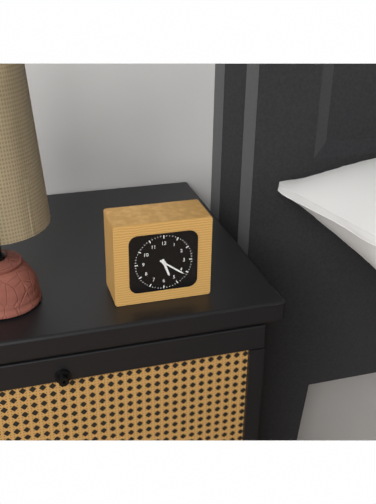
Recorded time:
h=5 m=21
